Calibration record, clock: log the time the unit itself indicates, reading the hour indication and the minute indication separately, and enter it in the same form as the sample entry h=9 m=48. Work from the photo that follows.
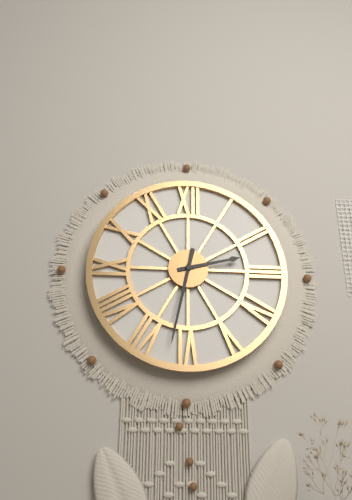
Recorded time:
h=2 m=32
